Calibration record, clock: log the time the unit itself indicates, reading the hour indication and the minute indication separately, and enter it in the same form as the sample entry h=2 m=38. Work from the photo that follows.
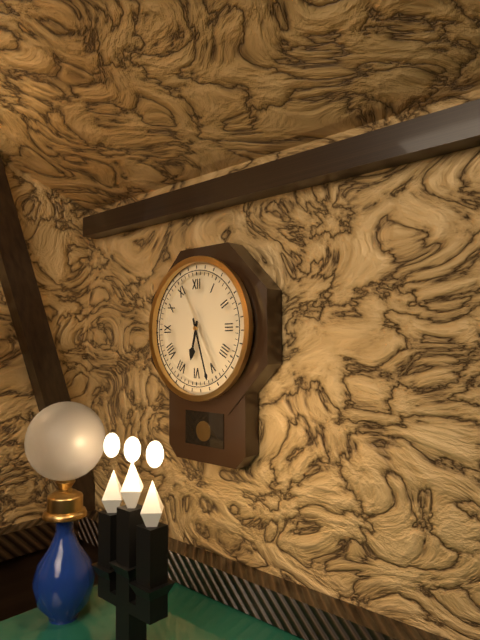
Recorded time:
h=6 m=27
